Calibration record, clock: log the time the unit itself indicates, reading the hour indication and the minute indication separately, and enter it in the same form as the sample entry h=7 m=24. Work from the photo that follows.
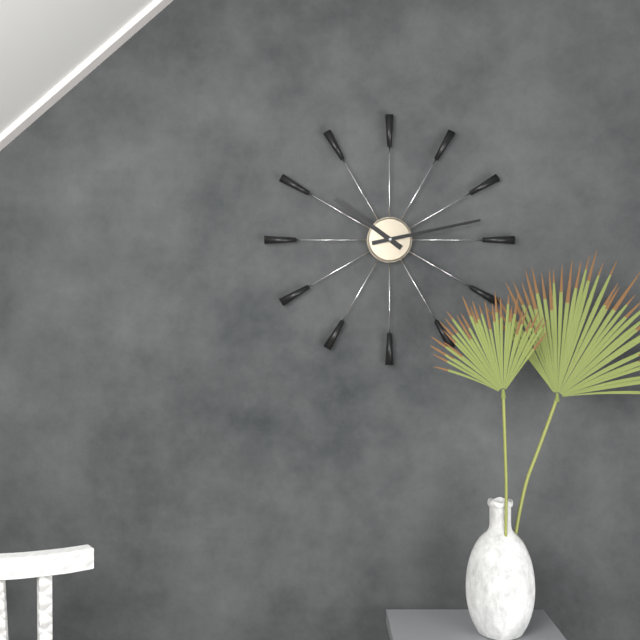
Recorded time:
h=10 m=13
